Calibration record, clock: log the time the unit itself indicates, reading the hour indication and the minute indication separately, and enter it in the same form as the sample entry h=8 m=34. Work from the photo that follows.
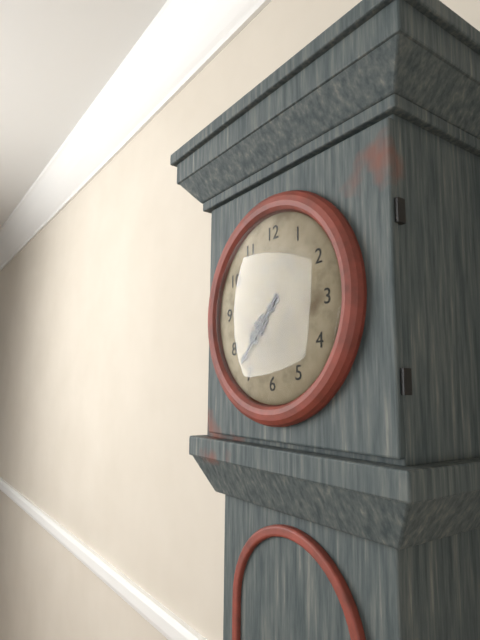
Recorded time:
h=7 m=37
